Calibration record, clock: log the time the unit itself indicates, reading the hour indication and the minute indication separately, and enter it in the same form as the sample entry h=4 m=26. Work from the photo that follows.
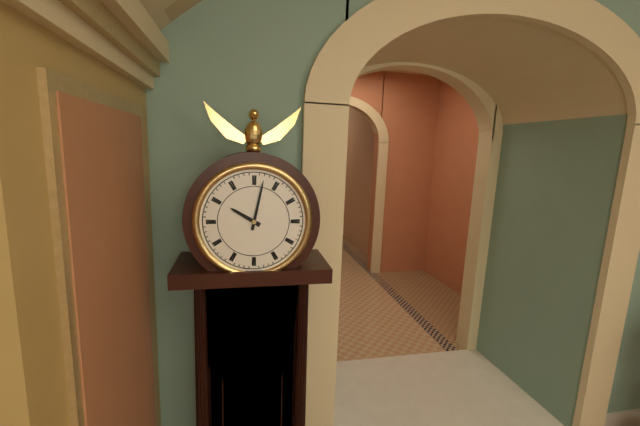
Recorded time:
h=10 m=2
